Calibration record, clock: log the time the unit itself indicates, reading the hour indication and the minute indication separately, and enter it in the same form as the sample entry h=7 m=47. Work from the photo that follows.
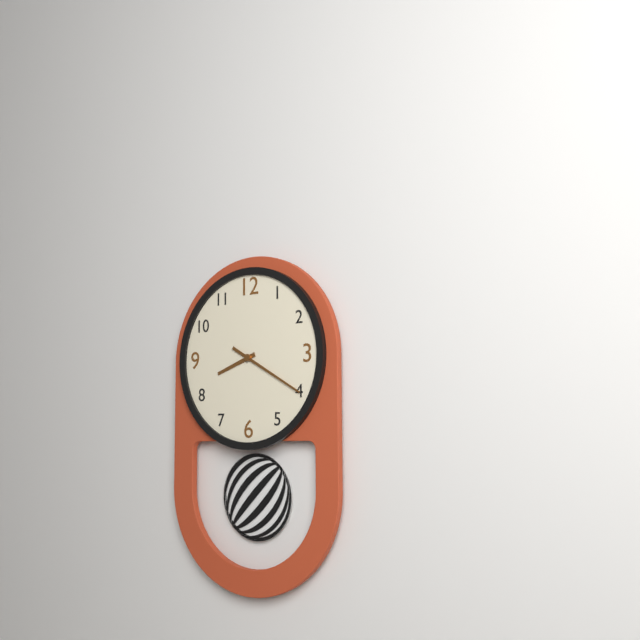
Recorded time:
h=8 m=20
